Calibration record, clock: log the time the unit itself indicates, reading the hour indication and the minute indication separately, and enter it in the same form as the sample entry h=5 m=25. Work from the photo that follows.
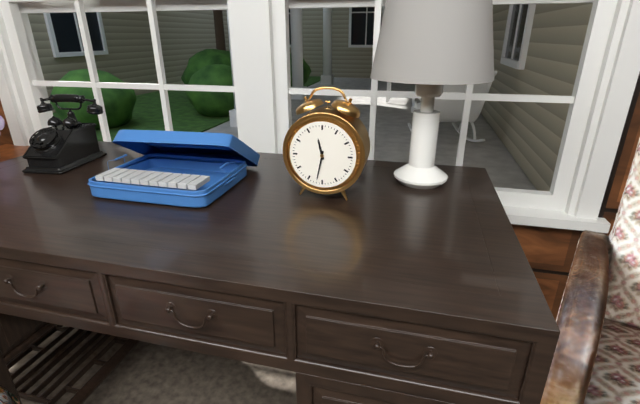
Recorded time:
h=11 m=32
